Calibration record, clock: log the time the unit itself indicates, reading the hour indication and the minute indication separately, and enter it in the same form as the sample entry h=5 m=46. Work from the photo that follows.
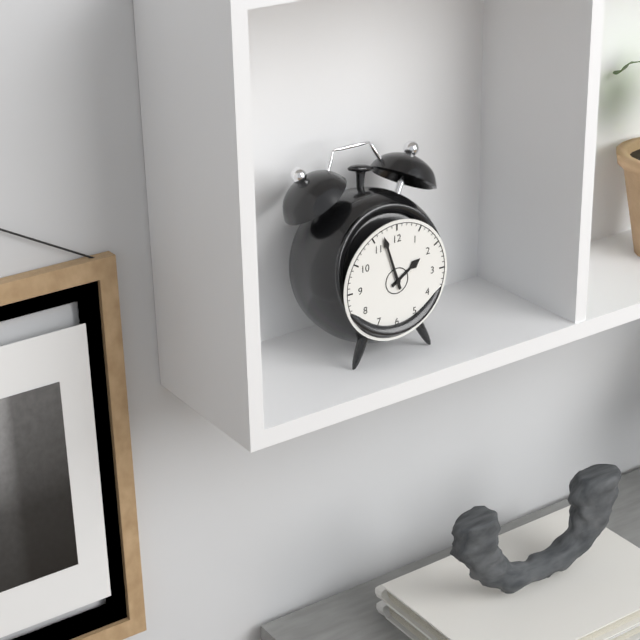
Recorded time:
h=1 m=57
